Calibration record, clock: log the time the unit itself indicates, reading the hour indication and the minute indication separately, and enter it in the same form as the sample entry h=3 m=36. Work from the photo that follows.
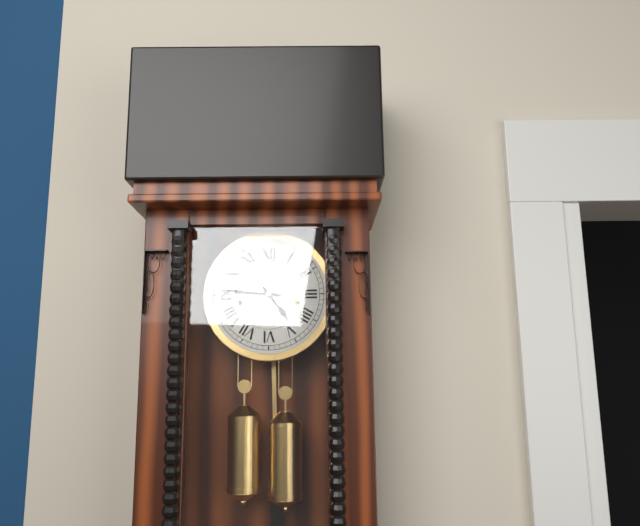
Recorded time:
h=4 m=46
